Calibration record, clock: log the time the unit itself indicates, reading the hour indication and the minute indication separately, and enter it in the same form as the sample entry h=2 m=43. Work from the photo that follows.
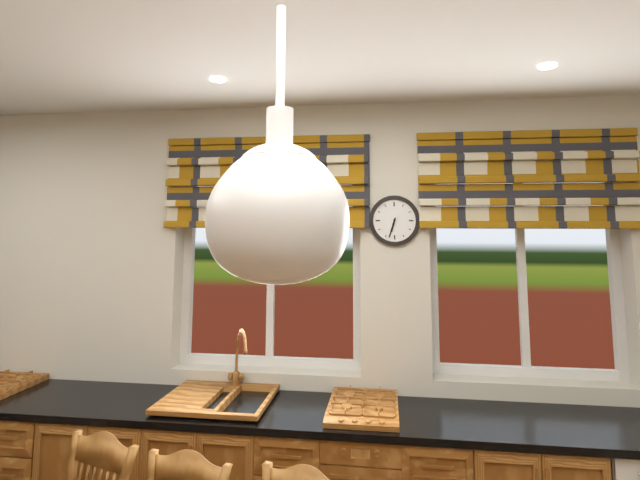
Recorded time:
h=6 m=33
